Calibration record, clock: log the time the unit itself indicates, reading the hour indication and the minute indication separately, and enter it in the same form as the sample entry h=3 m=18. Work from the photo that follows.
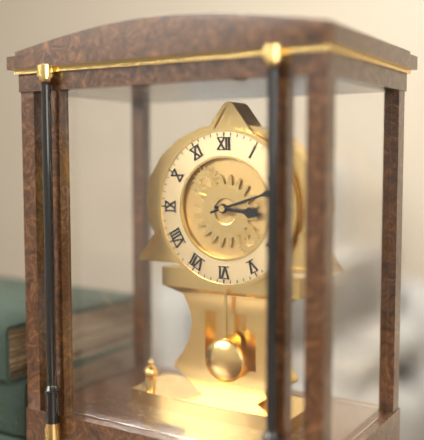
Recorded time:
h=3 m=12
